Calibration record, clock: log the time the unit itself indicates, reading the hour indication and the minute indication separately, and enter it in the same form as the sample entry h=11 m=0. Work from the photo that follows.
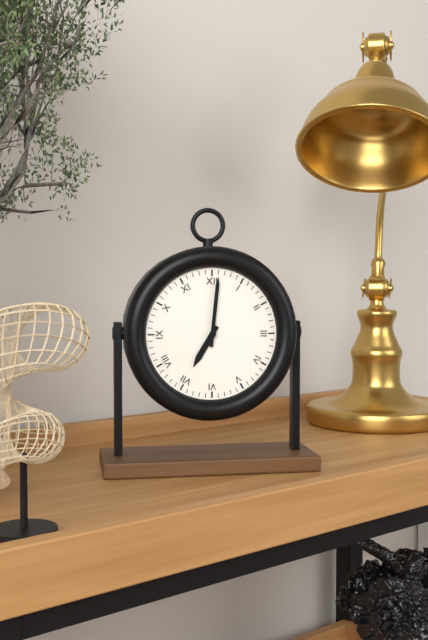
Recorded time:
h=7 m=1
